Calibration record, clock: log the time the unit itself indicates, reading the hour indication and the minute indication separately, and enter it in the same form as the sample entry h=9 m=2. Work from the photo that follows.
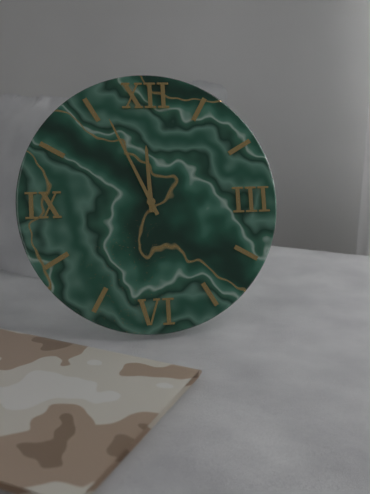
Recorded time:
h=11 m=56
